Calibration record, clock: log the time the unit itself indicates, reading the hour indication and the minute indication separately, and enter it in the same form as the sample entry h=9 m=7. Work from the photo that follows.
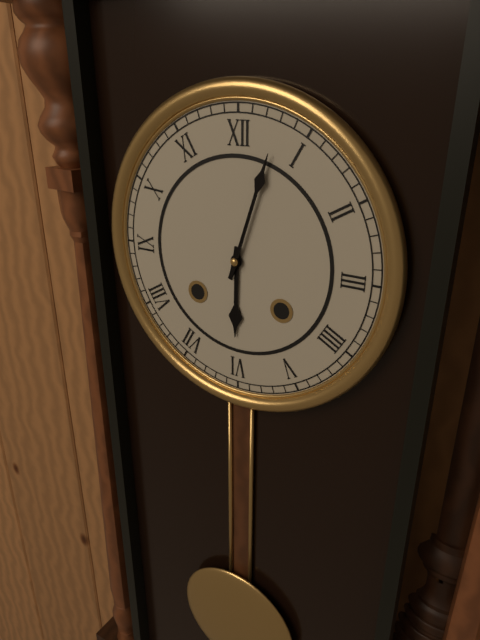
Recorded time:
h=6 m=3
